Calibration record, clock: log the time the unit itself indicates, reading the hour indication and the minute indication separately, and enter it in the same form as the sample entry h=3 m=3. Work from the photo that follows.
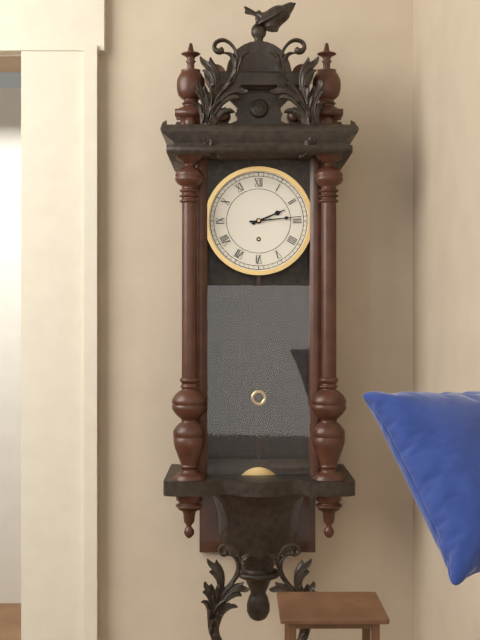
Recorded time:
h=2 m=14
